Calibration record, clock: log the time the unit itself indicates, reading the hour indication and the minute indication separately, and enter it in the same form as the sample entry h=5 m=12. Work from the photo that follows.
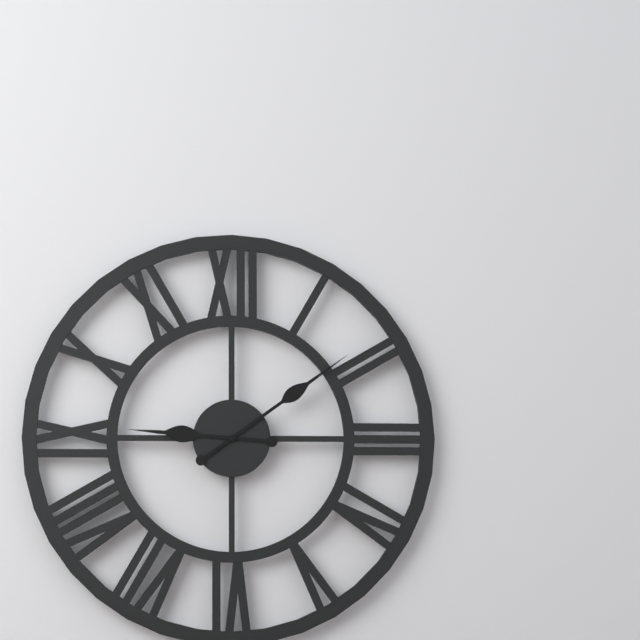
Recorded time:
h=9 m=9
